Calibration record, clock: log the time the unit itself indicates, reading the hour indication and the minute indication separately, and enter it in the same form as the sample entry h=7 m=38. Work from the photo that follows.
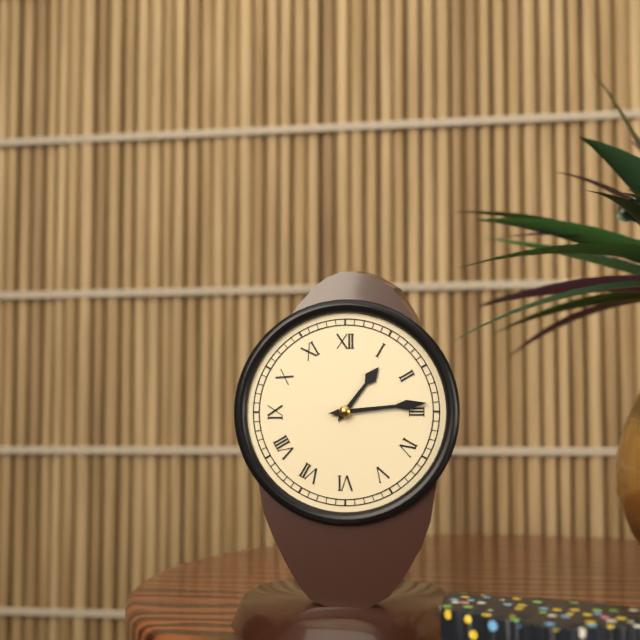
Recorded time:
h=1 m=14
